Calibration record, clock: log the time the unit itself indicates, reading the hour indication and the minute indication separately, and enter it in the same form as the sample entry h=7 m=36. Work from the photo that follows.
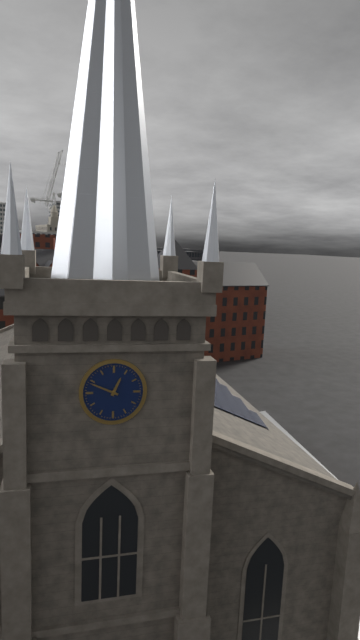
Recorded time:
h=12 m=49
